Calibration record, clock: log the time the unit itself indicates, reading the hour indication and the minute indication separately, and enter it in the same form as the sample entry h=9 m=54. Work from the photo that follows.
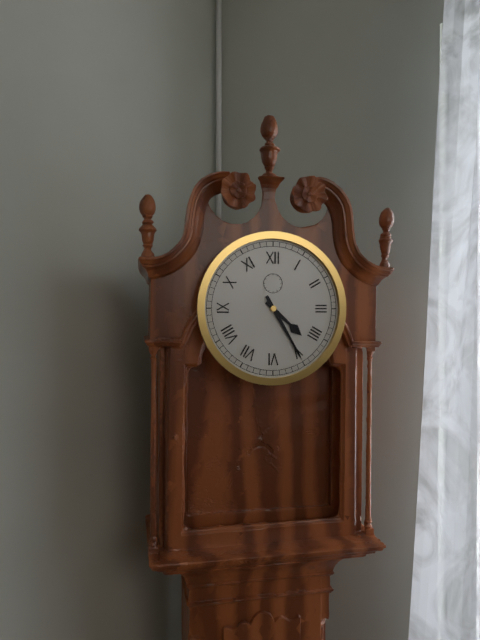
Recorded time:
h=4 m=25
